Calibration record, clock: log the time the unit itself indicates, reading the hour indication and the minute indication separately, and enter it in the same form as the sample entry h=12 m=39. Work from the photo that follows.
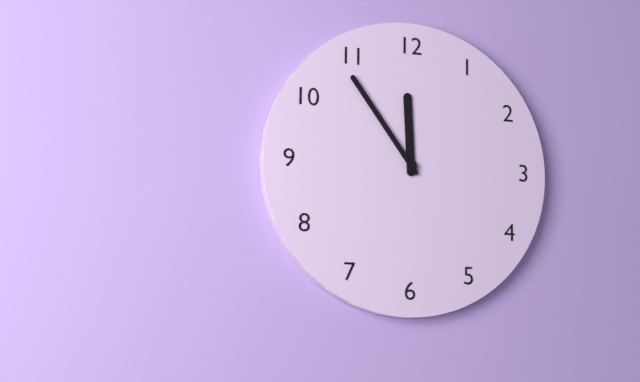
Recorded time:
h=11 m=54
